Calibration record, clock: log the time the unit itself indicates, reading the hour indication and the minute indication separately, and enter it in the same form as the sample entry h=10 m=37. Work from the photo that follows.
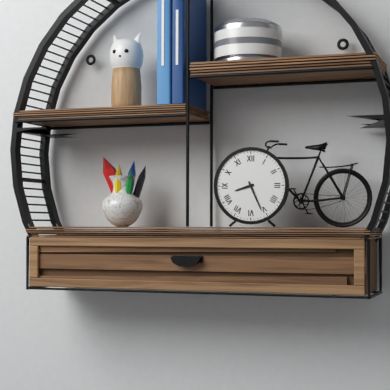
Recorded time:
h=8 m=26
